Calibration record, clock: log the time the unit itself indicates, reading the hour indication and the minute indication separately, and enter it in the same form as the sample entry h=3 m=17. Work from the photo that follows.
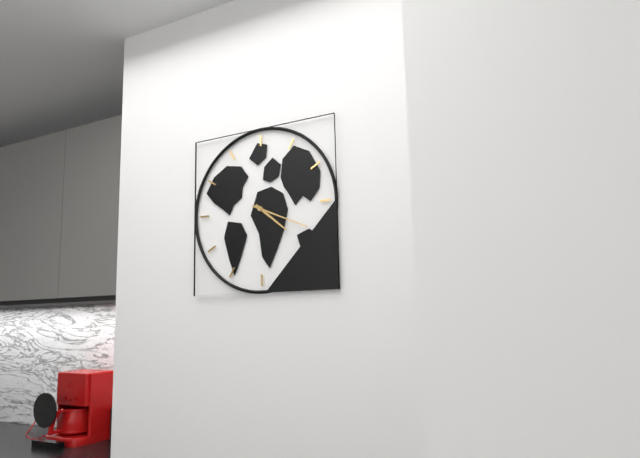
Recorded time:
h=4 m=19
